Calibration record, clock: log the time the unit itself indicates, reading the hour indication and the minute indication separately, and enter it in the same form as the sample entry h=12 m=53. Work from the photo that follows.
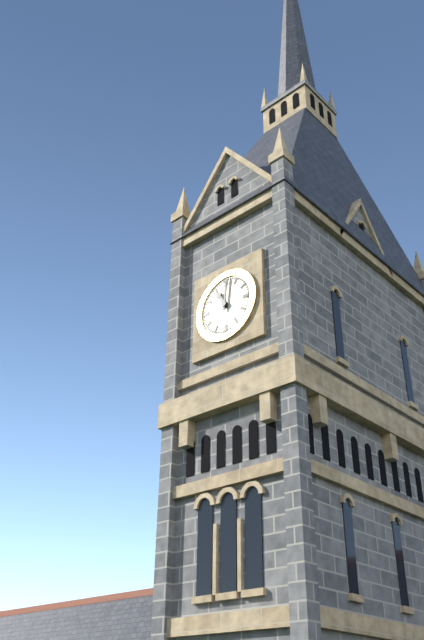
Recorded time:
h=11 m=1
